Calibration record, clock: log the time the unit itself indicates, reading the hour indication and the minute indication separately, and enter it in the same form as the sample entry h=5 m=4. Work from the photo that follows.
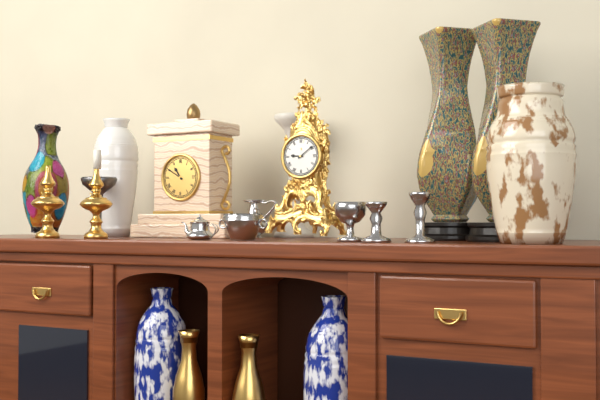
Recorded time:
h=9 m=9
